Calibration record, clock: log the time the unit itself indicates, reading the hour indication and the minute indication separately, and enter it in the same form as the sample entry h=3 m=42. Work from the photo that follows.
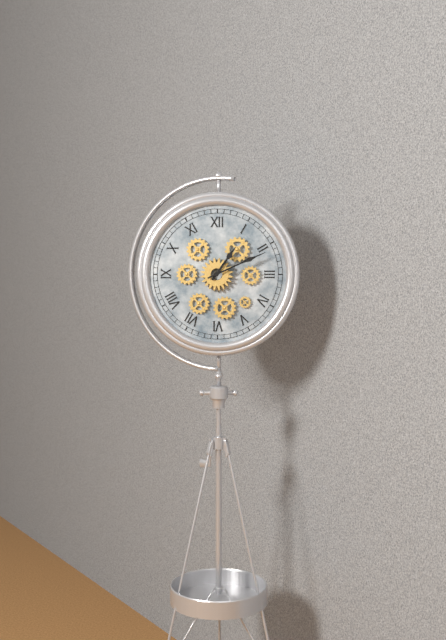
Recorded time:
h=1 m=11
